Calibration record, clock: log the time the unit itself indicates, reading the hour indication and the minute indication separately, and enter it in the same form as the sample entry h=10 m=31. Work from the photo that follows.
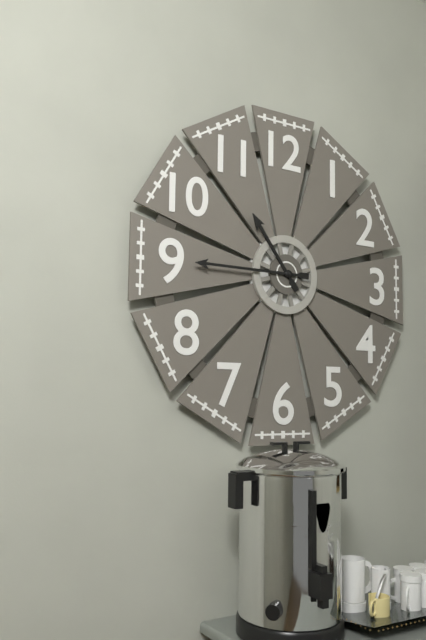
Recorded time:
h=10 m=45
